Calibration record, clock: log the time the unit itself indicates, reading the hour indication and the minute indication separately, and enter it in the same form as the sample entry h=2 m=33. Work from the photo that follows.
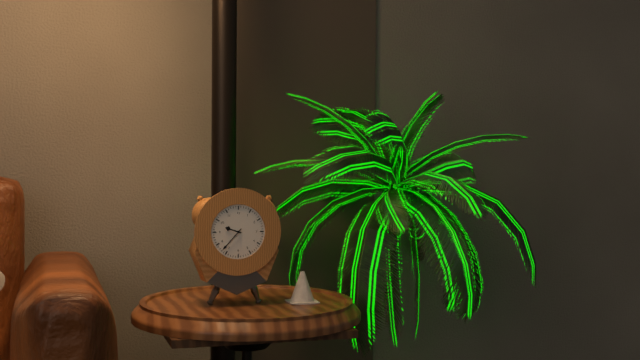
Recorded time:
h=9 m=37
